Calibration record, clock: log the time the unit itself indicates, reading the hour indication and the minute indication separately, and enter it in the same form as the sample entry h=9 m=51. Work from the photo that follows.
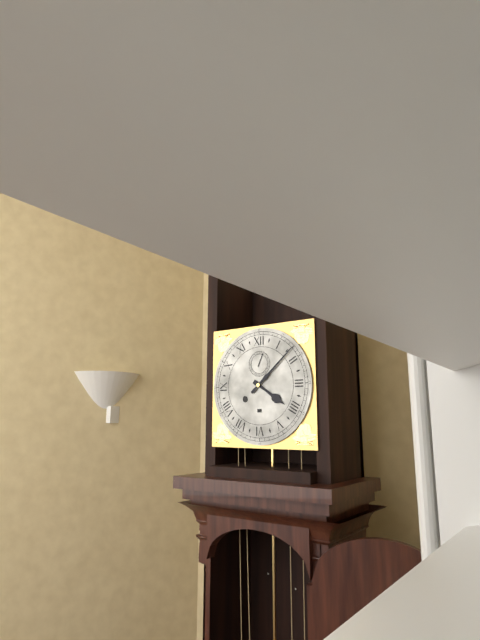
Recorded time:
h=4 m=8
